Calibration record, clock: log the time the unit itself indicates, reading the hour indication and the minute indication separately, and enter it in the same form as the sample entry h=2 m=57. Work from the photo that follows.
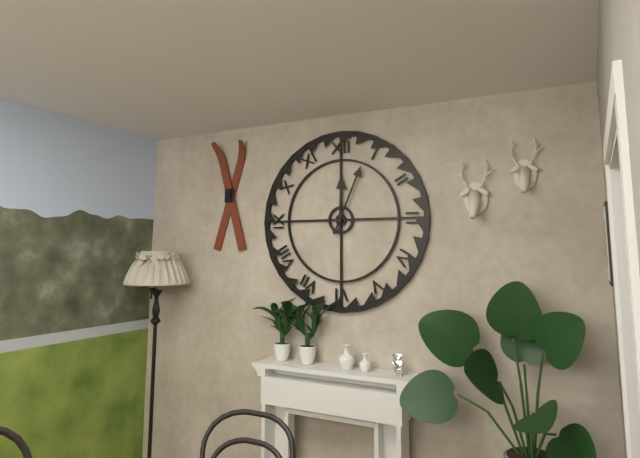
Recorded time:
h=12 m=4
